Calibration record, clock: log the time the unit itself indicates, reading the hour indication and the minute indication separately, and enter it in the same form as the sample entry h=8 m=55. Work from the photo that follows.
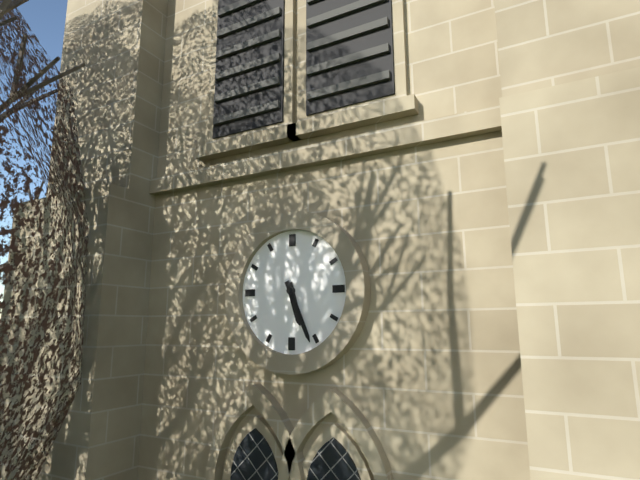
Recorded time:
h=5 m=26
